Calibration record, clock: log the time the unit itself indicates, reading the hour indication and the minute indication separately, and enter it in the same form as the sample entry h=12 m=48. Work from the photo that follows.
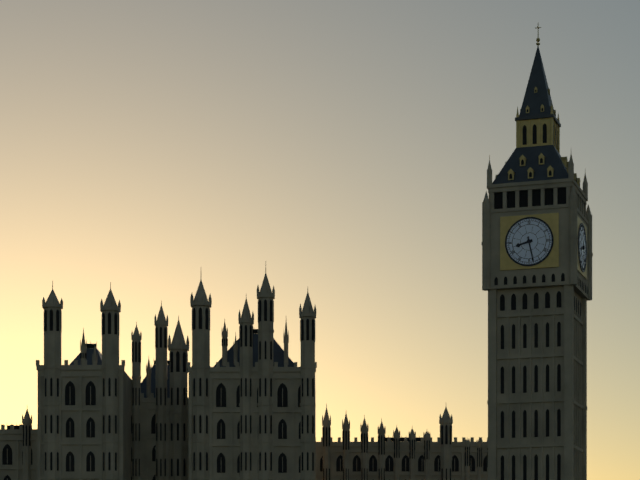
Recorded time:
h=8 m=28
